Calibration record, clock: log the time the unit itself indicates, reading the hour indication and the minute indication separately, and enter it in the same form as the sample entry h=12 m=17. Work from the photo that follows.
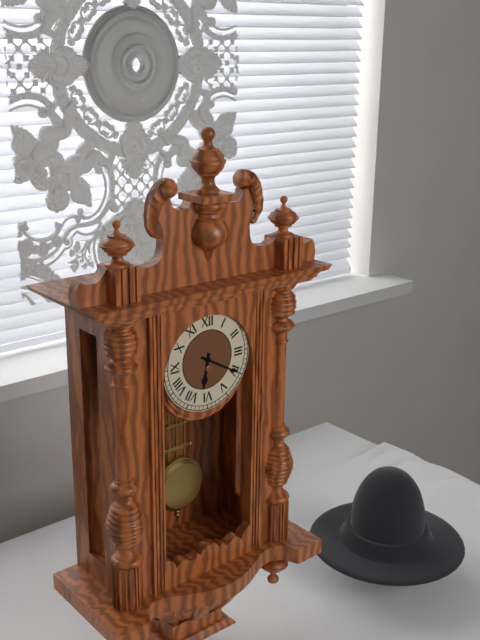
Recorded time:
h=6 m=20
